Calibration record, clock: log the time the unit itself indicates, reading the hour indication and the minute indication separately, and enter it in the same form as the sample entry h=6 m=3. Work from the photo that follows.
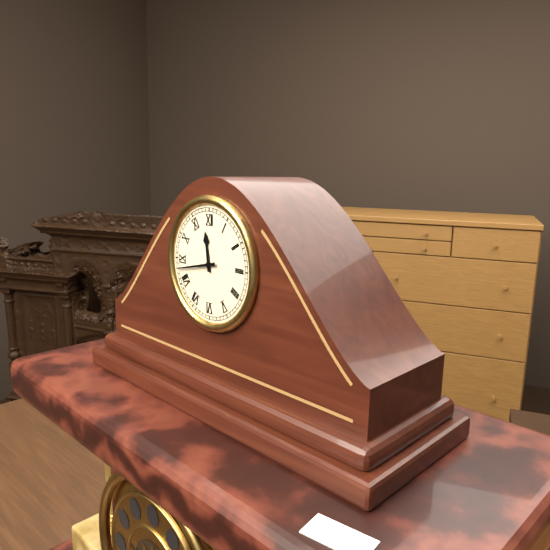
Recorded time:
h=11 m=43
